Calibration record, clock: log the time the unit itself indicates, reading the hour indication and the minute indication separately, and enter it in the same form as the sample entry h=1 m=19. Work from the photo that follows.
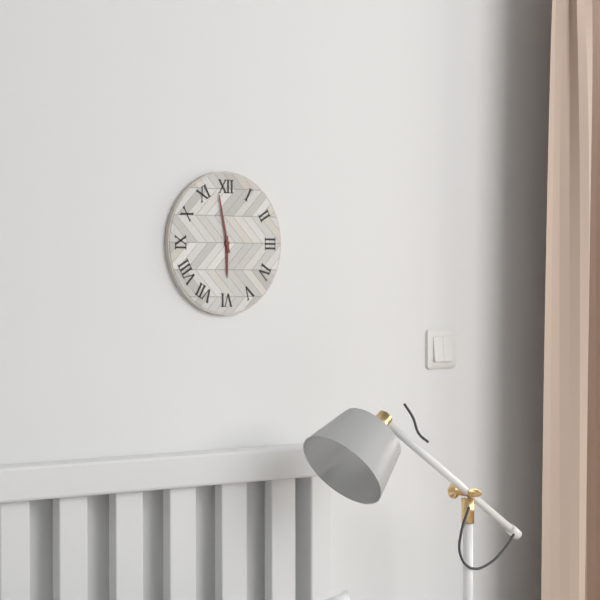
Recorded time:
h=5 m=58
